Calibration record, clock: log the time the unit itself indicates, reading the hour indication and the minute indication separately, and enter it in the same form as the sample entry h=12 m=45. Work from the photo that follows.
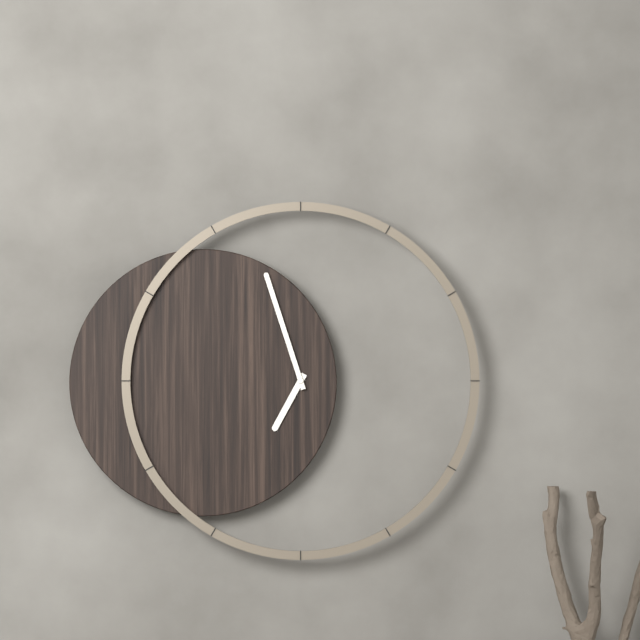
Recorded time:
h=6 m=57
